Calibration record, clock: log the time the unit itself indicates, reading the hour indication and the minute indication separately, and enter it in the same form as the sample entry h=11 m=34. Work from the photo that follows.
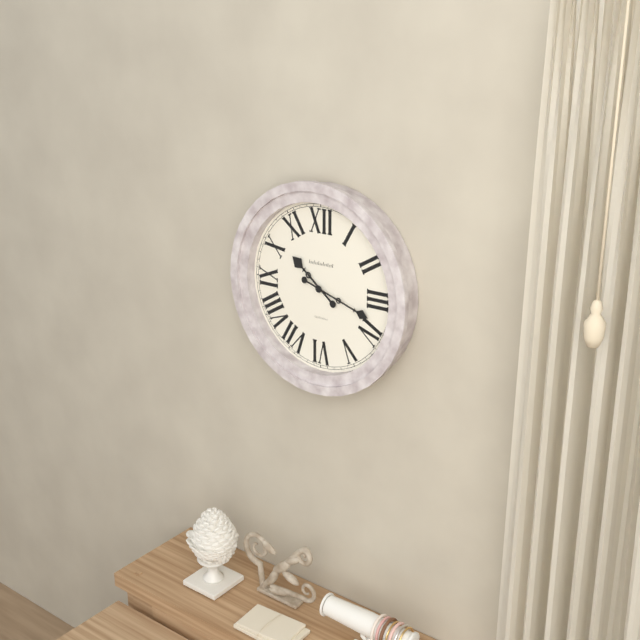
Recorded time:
h=10 m=18
